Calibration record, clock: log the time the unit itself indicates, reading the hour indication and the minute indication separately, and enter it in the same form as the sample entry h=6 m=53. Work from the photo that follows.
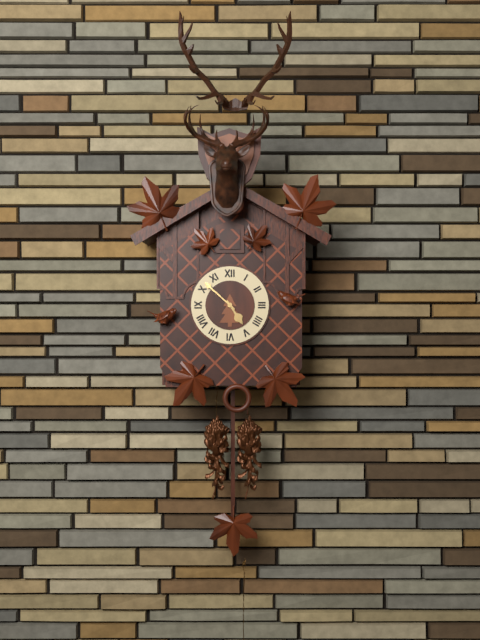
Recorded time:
h=4 m=52
